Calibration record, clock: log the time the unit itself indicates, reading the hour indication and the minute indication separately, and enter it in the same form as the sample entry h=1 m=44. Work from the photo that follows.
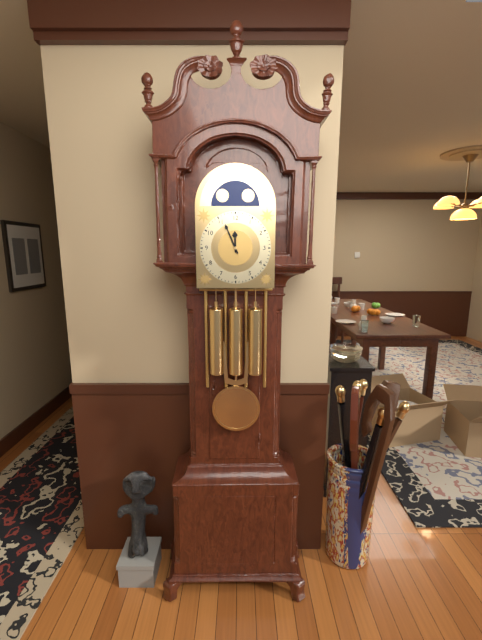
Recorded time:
h=11 m=56
